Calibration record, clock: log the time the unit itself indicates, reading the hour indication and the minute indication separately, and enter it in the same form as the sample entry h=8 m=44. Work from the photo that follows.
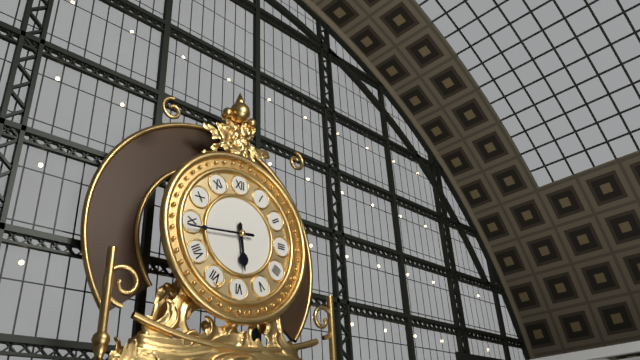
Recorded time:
h=5 m=44
